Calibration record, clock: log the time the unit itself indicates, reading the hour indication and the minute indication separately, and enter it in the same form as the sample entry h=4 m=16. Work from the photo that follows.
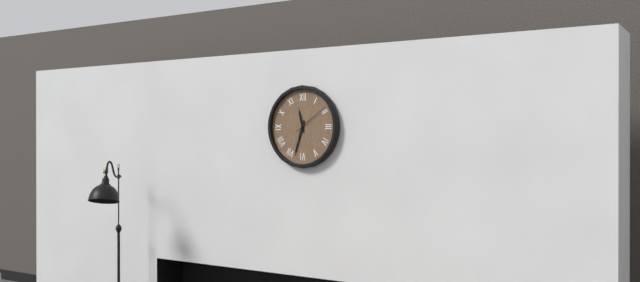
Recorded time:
h=11 m=33
